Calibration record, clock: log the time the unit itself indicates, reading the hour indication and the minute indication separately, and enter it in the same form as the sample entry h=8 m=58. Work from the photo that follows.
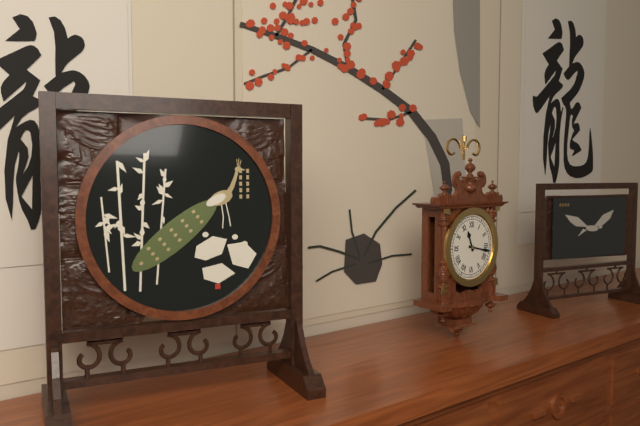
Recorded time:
h=11 m=17
